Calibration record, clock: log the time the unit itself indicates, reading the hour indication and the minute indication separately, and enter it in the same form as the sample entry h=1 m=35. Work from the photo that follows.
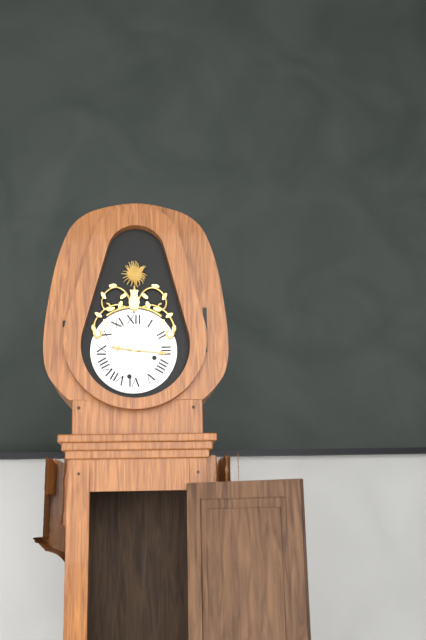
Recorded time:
h=9 m=16
